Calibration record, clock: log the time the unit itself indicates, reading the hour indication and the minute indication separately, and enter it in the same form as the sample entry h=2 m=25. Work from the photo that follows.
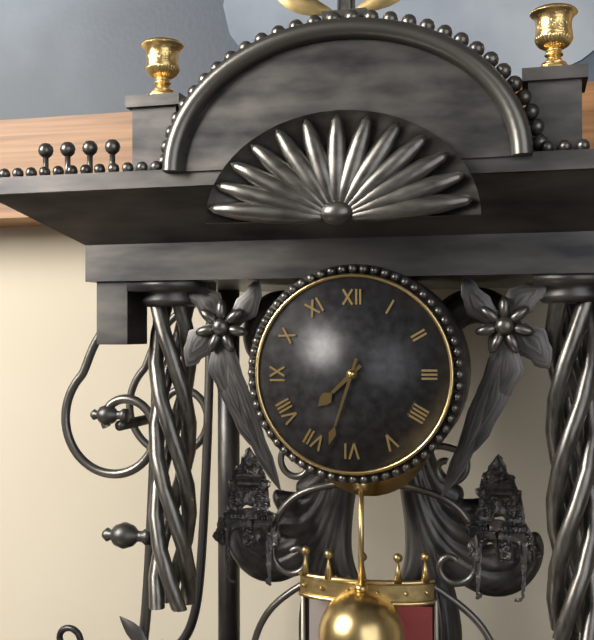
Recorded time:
h=7 m=33
